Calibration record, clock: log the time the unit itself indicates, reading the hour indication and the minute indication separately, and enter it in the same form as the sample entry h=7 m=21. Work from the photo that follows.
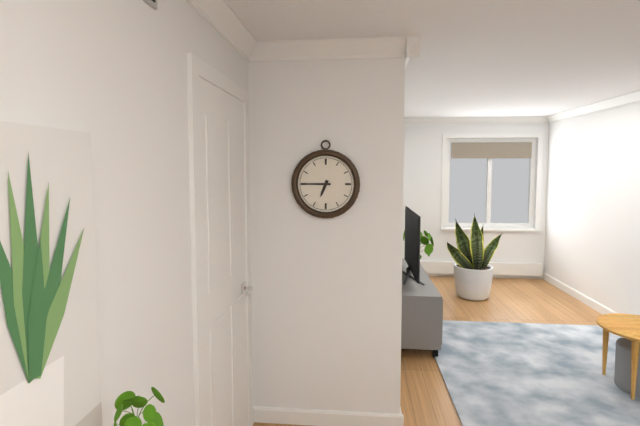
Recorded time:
h=6 m=45
